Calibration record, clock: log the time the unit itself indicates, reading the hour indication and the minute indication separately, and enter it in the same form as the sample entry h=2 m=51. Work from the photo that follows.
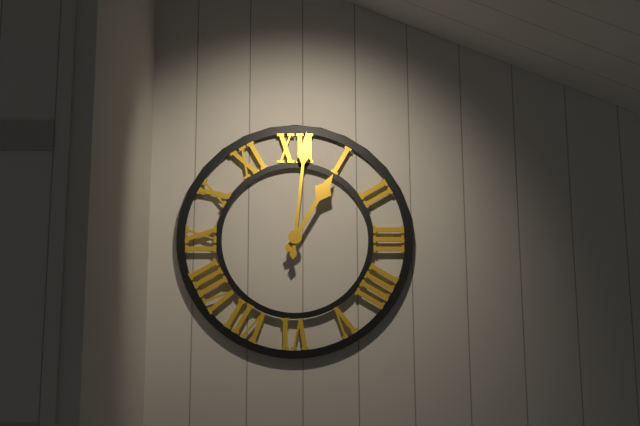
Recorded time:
h=1 m=1
